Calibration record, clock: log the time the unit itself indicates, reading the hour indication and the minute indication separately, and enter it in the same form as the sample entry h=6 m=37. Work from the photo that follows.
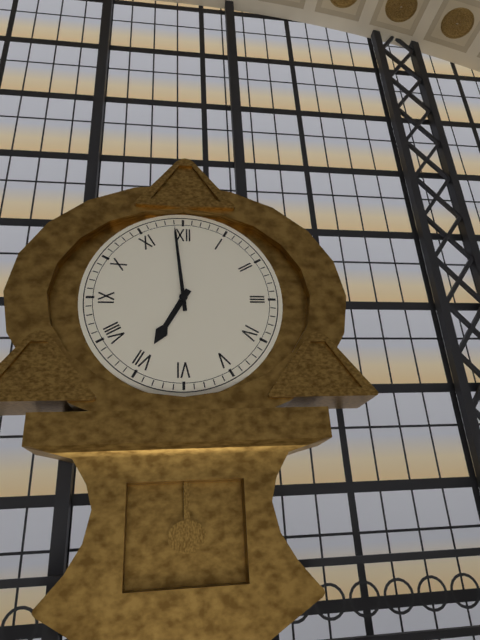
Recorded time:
h=6 m=59
